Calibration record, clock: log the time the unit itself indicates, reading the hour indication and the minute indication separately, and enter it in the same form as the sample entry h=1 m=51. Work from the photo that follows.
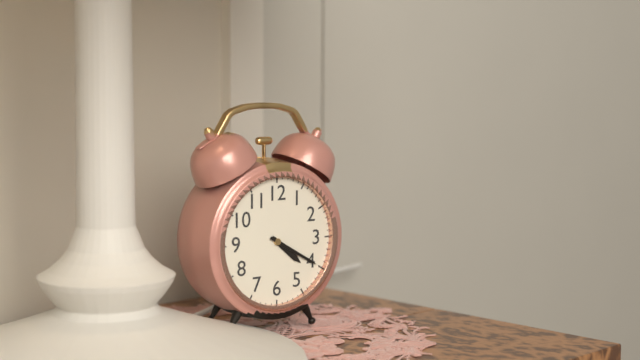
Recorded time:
h=4 m=20
